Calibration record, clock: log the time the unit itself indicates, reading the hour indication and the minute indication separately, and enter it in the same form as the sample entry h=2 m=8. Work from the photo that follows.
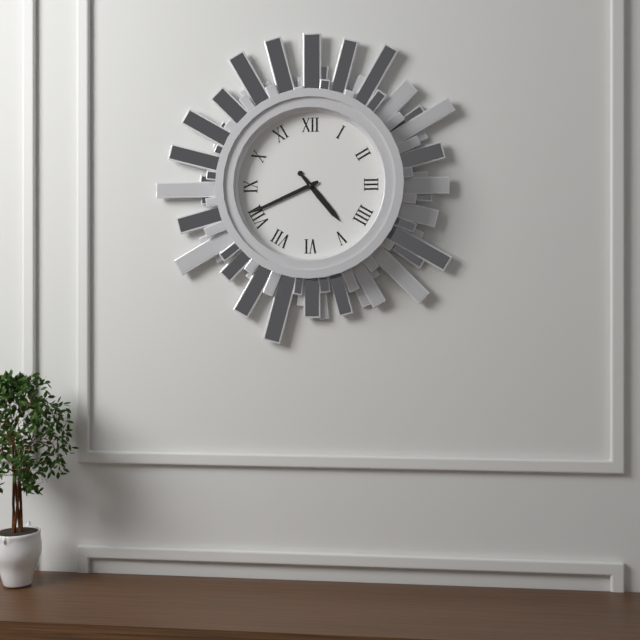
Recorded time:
h=4 m=41
